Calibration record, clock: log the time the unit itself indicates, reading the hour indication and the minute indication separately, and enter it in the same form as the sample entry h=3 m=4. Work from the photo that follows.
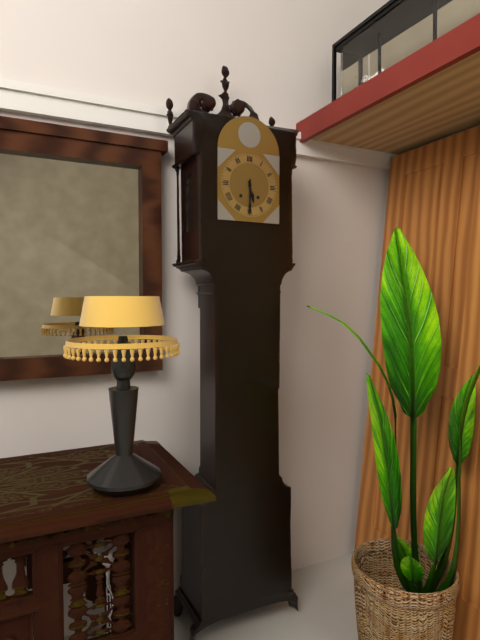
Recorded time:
h=5 m=30
